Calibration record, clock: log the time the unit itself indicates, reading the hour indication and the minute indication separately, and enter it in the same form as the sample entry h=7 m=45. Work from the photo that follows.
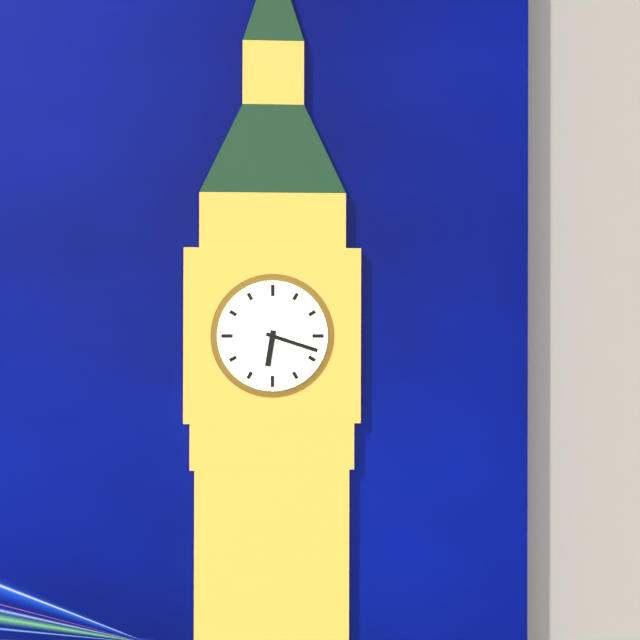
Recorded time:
h=6 m=18
